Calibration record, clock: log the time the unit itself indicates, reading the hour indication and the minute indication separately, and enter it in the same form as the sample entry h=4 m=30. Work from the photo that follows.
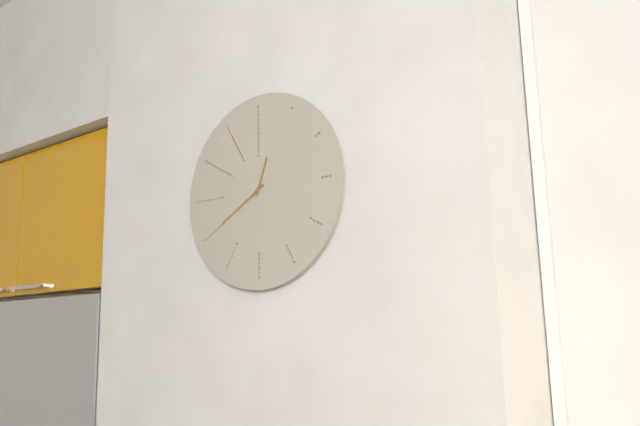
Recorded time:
h=12 m=40
